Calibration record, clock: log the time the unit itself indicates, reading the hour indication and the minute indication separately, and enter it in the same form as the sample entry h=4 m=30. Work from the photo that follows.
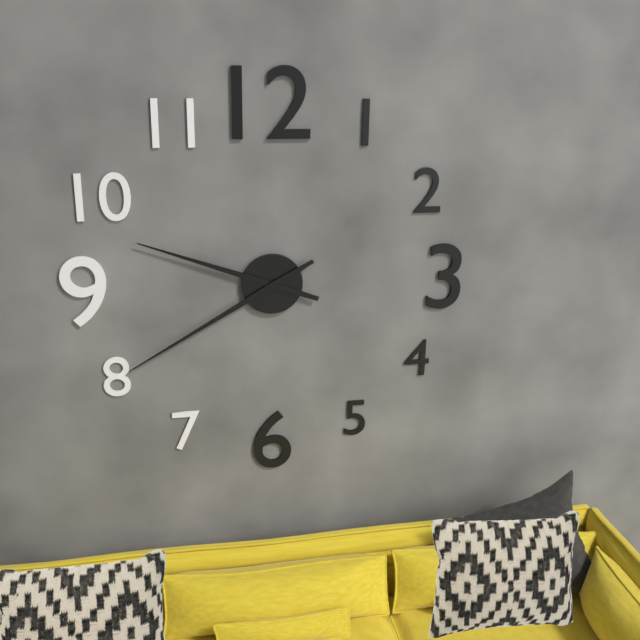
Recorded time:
h=9 m=40
